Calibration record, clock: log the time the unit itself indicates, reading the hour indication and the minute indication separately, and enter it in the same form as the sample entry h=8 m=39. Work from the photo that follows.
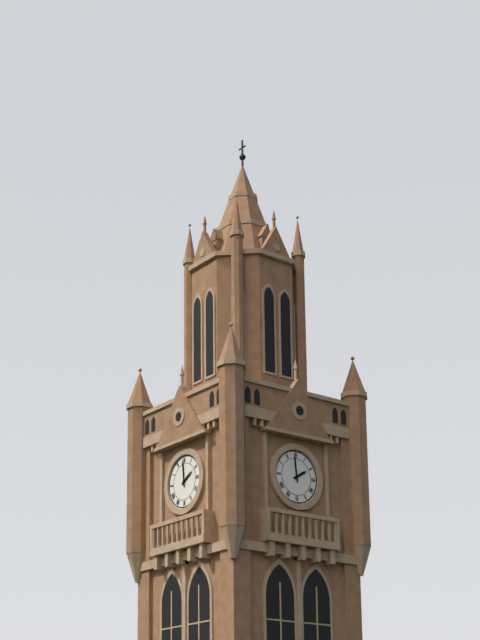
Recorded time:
h=1 m=59
